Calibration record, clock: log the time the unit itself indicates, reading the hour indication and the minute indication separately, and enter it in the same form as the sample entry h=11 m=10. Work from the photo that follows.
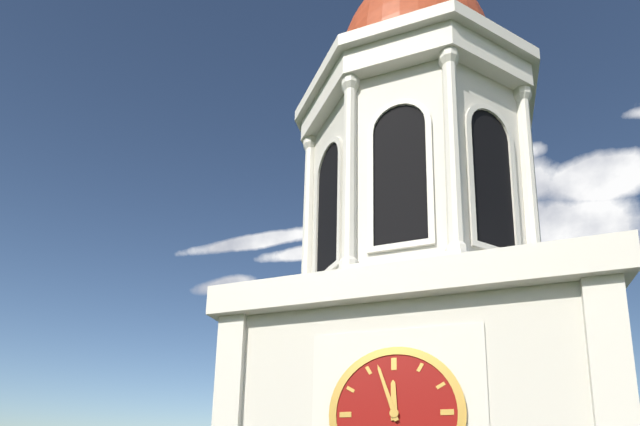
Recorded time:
h=11 m=57
